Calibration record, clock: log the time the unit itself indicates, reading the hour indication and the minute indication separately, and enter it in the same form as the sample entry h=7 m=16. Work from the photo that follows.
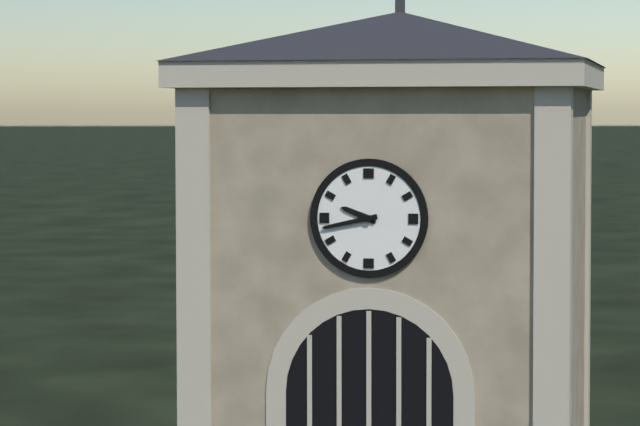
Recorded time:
h=9 m=43
